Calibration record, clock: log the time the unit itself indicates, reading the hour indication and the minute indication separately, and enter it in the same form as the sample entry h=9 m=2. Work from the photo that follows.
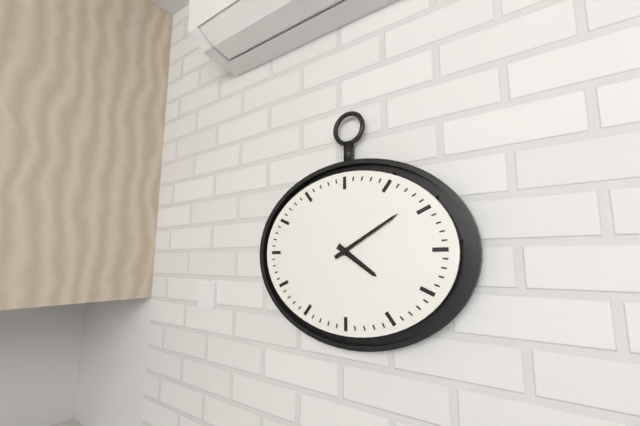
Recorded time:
h=4 m=10
